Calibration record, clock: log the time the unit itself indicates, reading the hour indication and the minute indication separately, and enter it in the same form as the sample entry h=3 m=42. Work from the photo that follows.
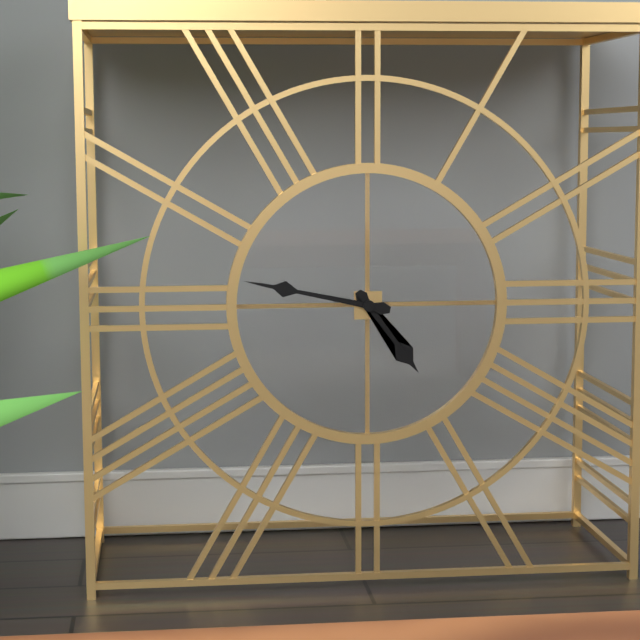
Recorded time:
h=4 m=47
